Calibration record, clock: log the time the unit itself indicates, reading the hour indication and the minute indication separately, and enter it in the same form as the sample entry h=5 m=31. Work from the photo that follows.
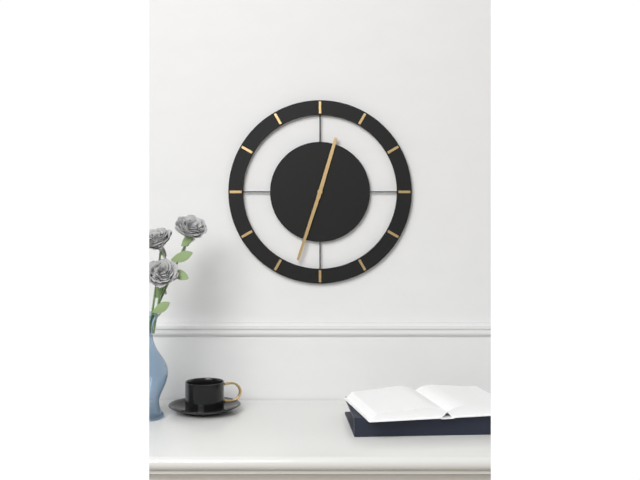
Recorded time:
h=12 m=33
